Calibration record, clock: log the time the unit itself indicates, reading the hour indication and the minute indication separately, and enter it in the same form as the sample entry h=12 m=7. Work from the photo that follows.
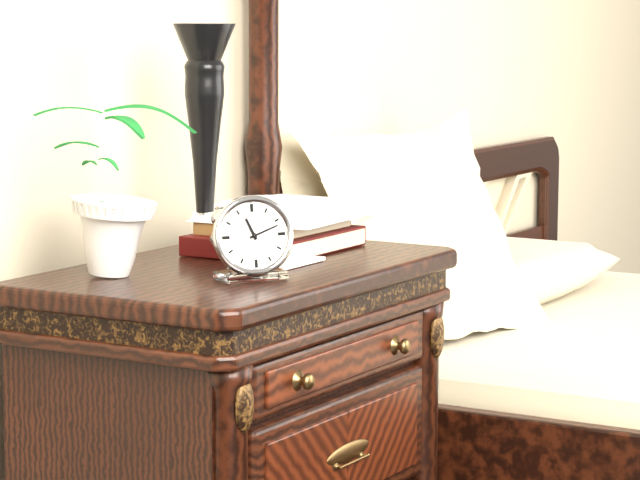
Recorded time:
h=11 m=12
